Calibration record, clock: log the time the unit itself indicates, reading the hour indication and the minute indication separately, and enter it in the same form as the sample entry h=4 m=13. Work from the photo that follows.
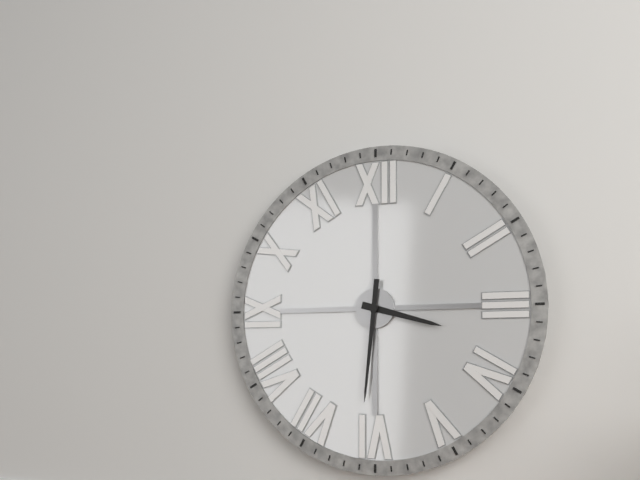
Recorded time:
h=3 m=31
